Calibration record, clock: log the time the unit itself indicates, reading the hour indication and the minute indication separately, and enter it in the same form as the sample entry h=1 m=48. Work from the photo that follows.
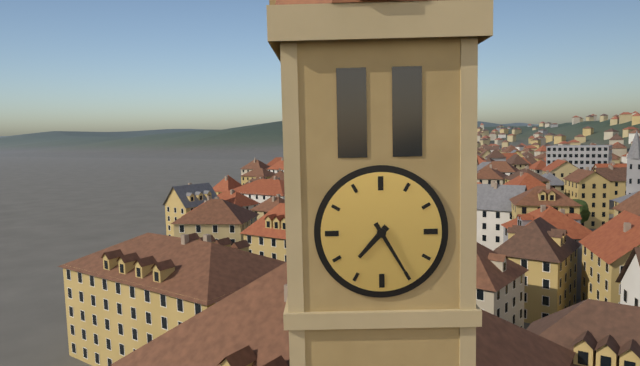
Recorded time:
h=7 m=25
